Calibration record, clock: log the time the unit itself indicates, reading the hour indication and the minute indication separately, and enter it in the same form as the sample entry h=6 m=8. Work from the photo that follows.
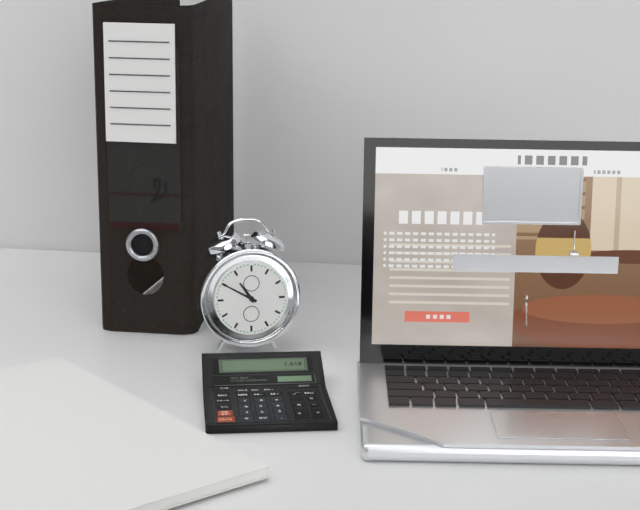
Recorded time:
h=10 m=50
